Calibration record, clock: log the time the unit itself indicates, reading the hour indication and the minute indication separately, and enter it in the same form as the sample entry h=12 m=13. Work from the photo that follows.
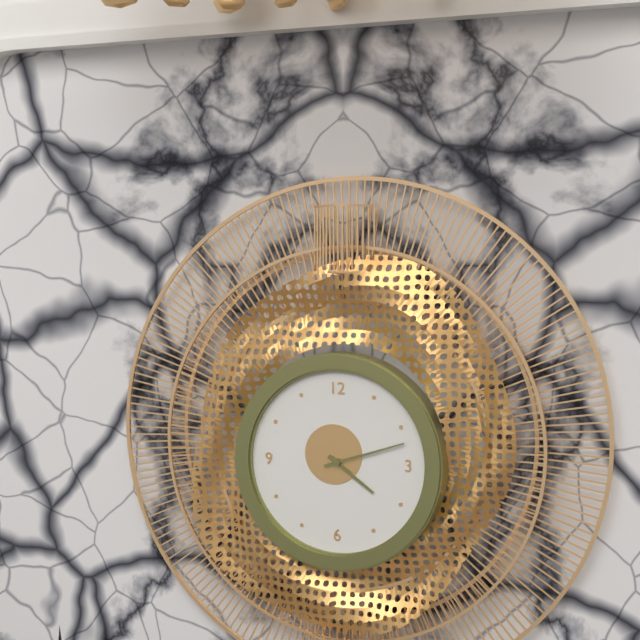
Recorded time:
h=4 m=12
